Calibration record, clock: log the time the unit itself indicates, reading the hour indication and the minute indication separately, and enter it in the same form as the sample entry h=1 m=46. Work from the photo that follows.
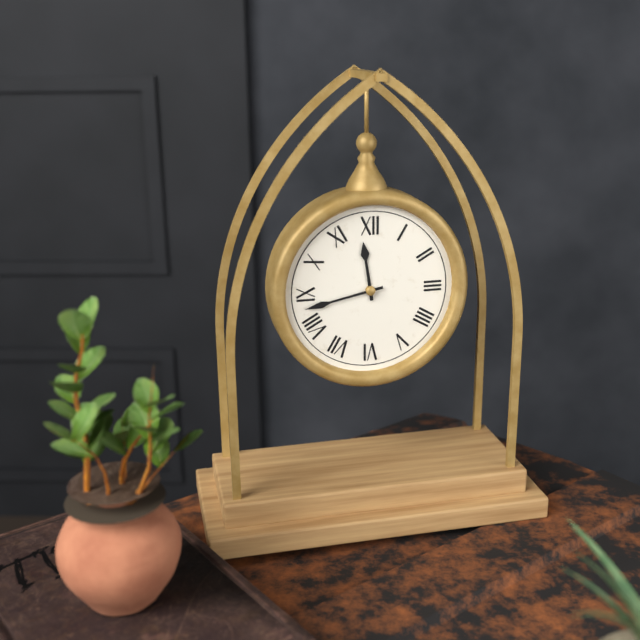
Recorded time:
h=11 m=43
